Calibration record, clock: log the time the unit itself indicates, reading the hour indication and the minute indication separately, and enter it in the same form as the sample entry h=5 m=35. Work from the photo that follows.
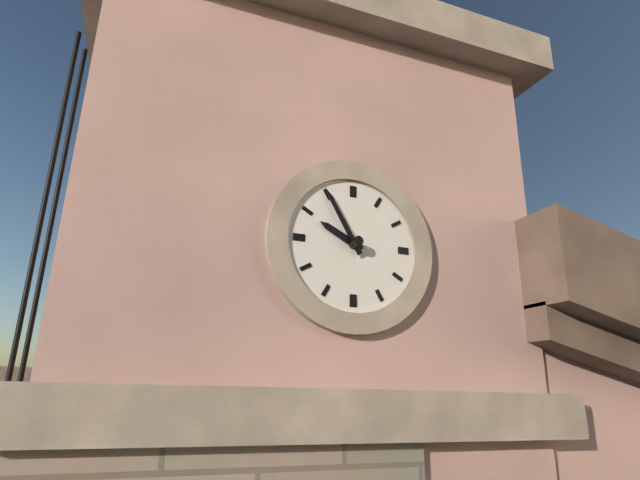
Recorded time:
h=9 m=55
